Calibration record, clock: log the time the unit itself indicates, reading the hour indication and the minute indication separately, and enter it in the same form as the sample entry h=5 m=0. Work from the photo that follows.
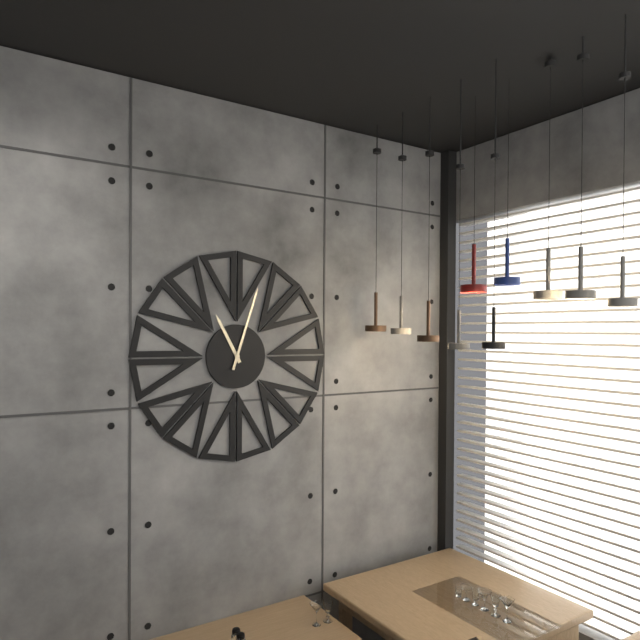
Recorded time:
h=11 m=3
